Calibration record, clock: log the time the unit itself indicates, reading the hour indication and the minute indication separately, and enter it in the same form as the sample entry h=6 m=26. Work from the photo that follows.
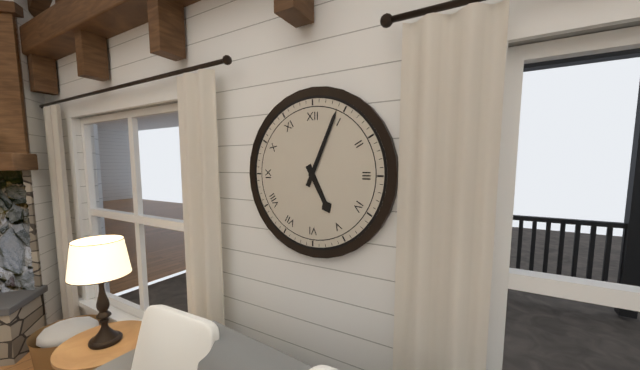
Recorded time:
h=5 m=4
